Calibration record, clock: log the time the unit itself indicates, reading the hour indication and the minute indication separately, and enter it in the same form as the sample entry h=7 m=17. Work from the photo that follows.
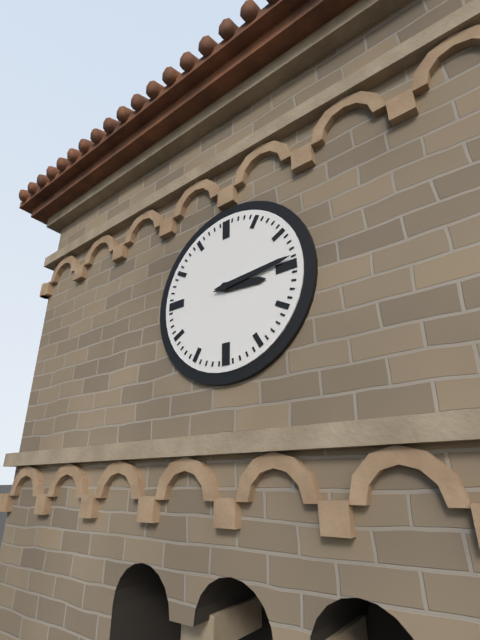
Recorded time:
h=3 m=14
